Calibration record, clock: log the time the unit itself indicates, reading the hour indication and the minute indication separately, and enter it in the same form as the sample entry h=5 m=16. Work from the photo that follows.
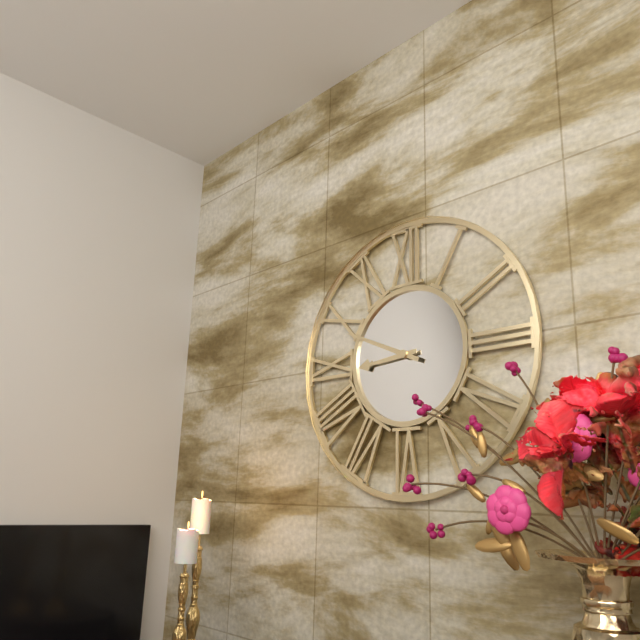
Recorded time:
h=8 m=49
